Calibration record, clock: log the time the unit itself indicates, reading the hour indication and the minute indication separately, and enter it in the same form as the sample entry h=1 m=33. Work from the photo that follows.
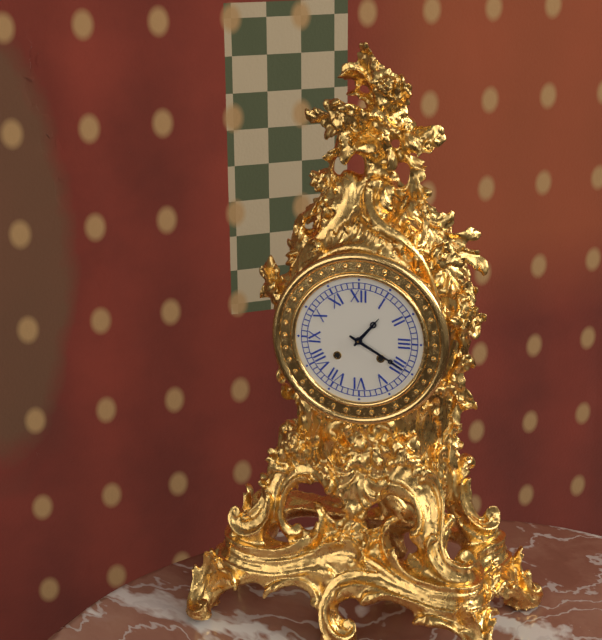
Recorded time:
h=1 m=20
